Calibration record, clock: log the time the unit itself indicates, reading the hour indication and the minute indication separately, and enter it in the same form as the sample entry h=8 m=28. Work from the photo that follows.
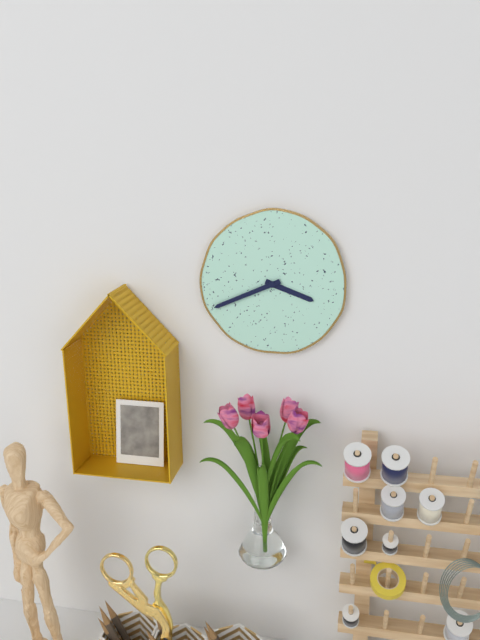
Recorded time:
h=3 m=41
